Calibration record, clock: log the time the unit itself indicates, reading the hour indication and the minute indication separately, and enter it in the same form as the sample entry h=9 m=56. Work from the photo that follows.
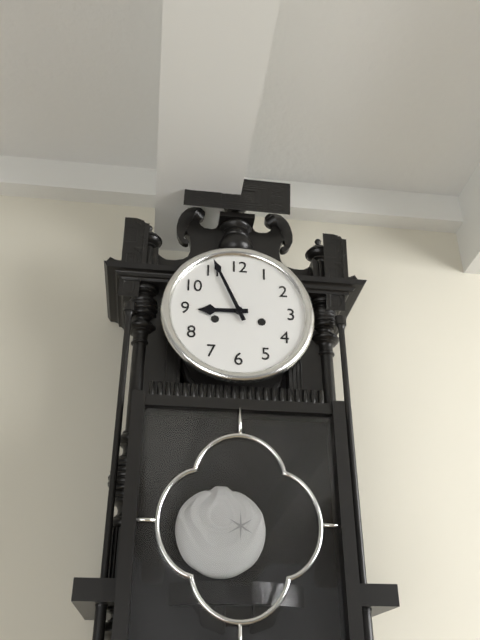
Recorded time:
h=8 m=56
